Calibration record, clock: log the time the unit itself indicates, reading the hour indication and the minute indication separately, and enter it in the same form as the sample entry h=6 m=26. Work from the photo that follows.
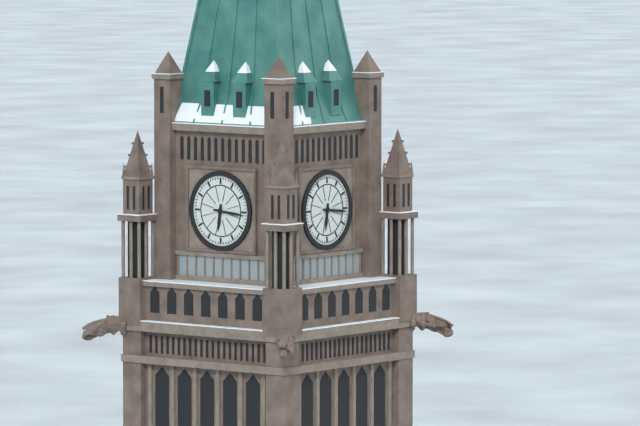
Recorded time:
h=6 m=16
